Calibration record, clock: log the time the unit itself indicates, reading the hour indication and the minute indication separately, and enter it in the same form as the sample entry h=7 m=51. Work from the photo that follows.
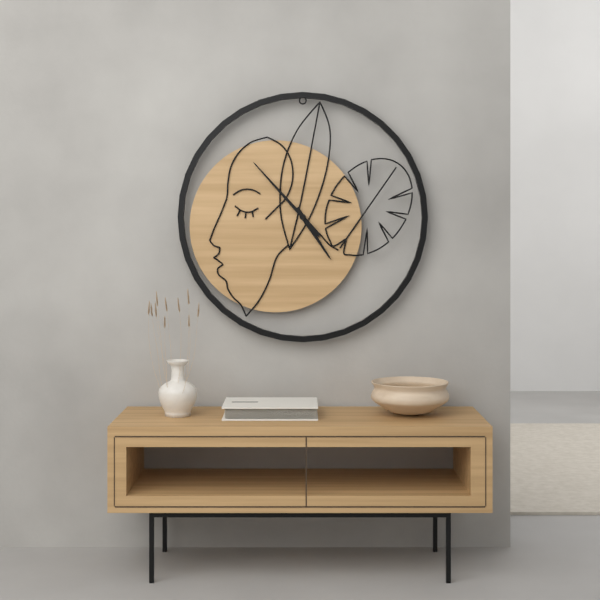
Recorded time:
h=4 m=53
